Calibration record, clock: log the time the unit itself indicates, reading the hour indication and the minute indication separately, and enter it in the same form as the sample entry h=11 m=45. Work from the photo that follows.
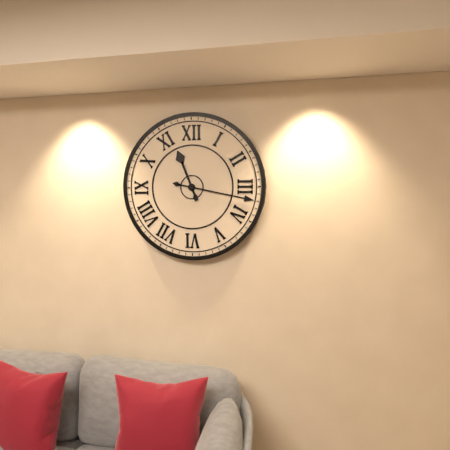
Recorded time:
h=11 m=17
